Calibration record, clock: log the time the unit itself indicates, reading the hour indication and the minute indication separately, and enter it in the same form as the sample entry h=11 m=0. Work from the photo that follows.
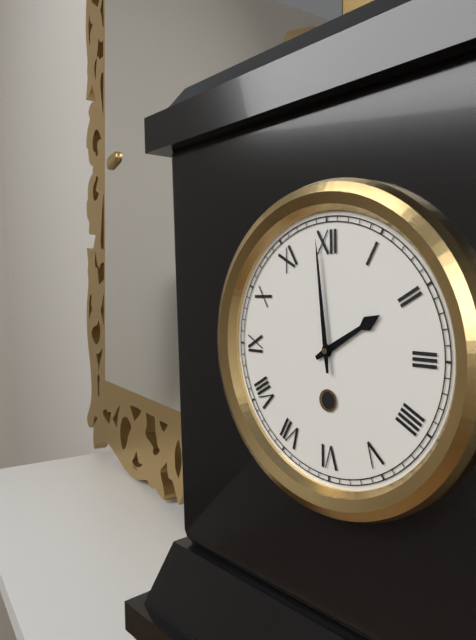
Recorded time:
h=1 m=59
